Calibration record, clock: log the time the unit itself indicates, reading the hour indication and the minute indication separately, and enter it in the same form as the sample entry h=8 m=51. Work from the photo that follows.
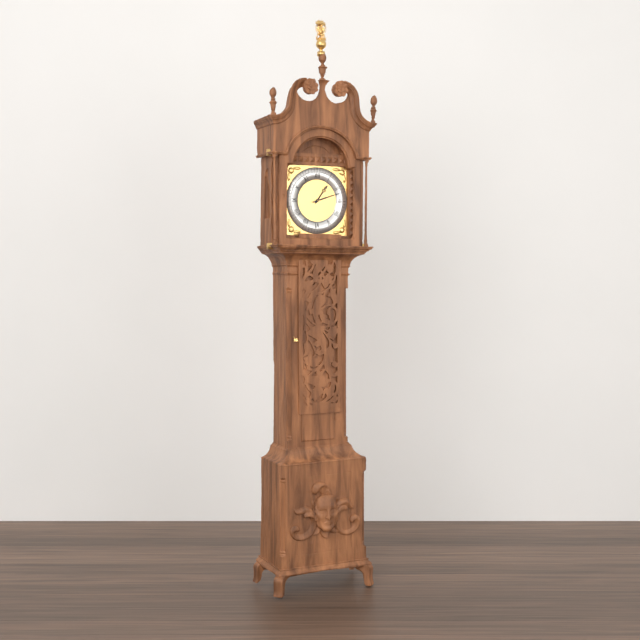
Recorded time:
h=1 m=12
